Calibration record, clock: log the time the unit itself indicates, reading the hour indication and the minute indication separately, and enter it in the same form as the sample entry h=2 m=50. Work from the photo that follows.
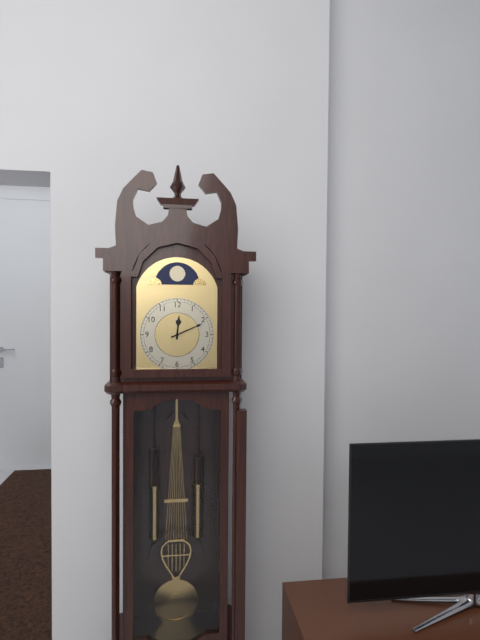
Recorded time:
h=12 m=11
